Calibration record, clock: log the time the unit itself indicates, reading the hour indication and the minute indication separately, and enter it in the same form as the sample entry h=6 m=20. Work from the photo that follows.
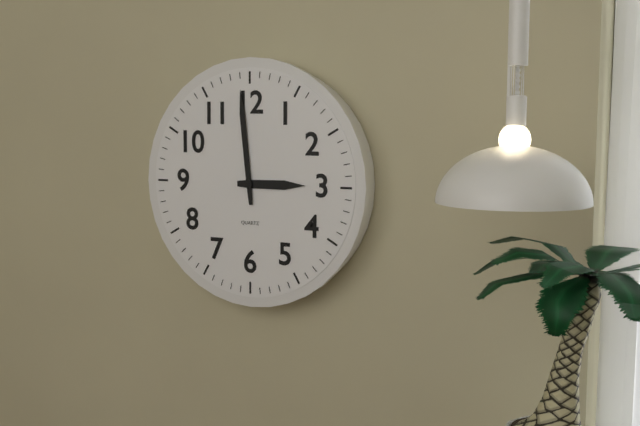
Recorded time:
h=2 m=59
